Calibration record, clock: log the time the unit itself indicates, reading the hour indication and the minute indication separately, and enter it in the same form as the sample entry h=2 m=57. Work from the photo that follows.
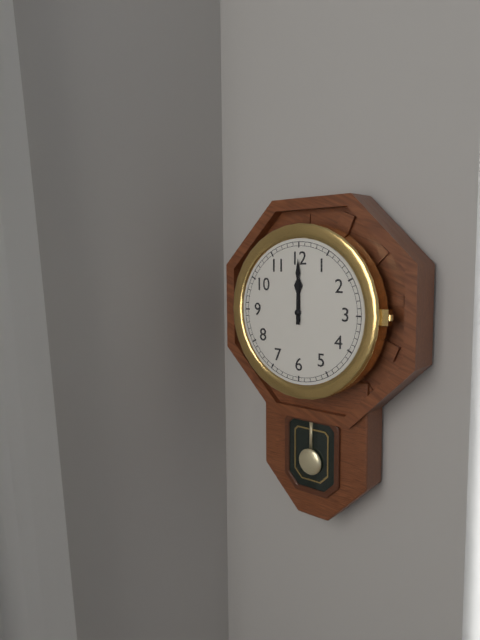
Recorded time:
h=12 m=0
